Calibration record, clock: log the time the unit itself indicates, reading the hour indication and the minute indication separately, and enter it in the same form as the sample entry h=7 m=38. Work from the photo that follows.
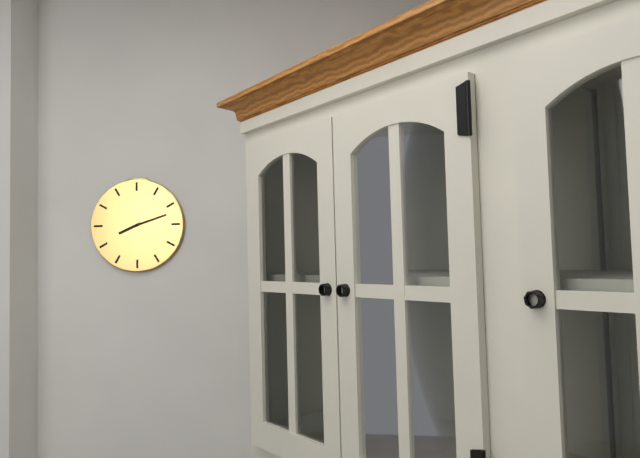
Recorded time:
h=8 m=12
